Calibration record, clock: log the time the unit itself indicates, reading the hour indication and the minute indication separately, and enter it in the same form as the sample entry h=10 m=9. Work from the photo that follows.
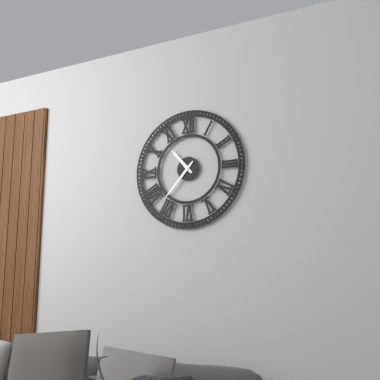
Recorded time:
h=10 m=37
